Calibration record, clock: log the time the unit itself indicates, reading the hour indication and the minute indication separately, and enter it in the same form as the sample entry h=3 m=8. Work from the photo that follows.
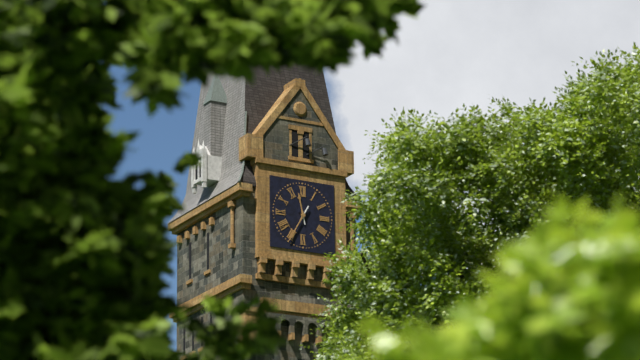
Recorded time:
h=11 m=35
